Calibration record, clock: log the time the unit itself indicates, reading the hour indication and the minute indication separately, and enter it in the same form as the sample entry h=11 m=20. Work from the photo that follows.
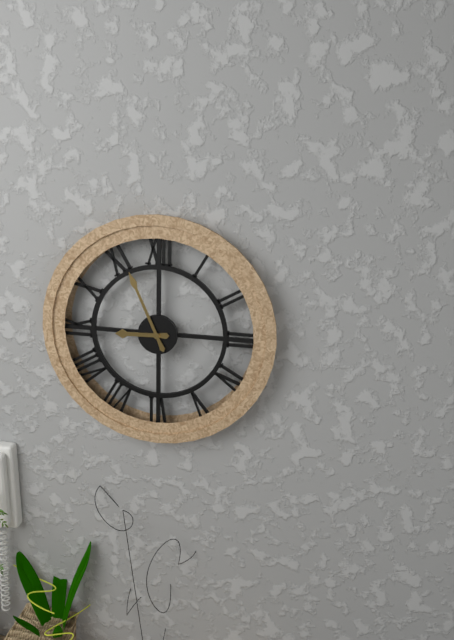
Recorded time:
h=8 m=56
